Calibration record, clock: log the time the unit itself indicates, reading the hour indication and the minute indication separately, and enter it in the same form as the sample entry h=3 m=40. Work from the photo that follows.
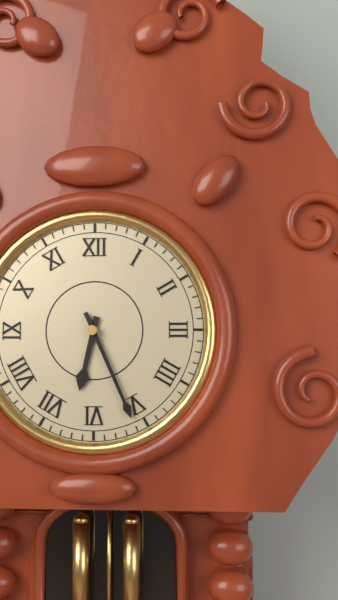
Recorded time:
h=6 m=26
